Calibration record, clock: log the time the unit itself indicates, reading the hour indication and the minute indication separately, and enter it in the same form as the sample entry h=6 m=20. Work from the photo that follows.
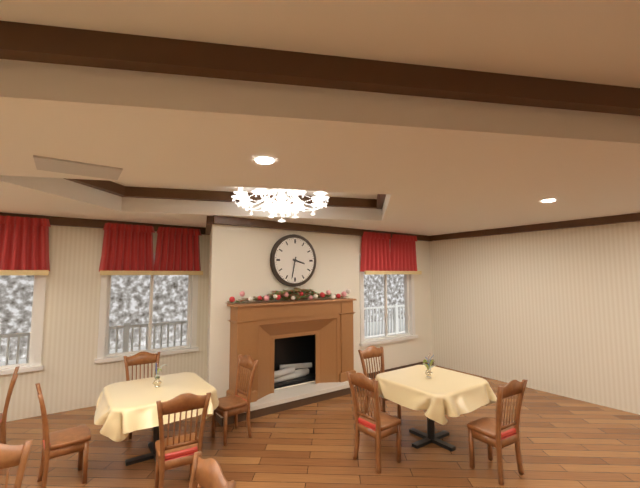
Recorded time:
h=3 m=32
